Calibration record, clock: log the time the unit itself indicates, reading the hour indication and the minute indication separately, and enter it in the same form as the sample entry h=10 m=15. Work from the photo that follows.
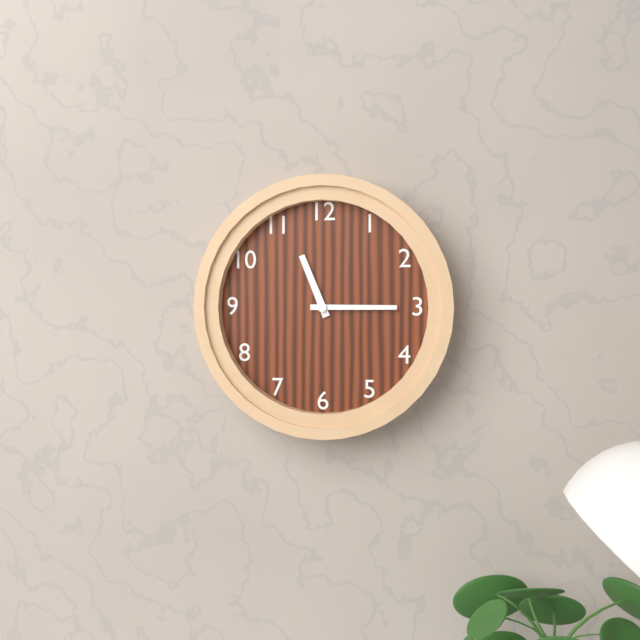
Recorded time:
h=11 m=15
